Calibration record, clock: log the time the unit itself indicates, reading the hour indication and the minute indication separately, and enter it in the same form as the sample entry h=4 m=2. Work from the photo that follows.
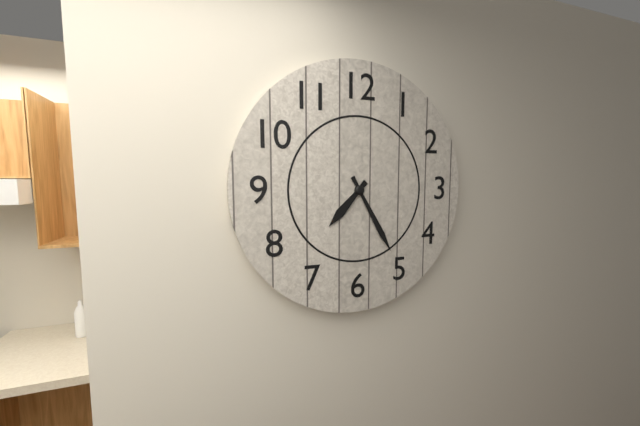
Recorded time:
h=7 m=25
